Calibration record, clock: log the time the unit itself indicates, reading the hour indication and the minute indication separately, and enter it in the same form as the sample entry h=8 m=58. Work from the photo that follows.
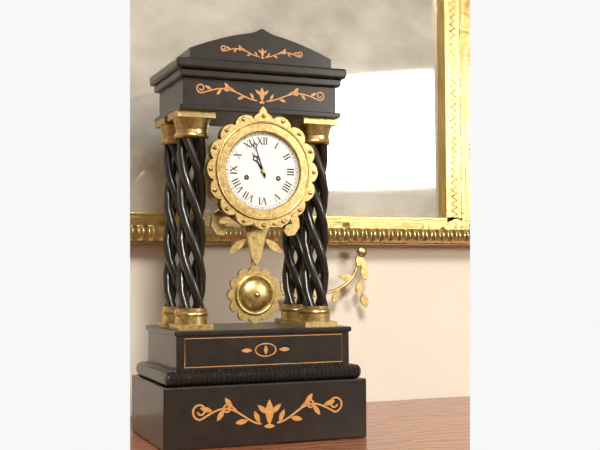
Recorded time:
h=10 m=57
